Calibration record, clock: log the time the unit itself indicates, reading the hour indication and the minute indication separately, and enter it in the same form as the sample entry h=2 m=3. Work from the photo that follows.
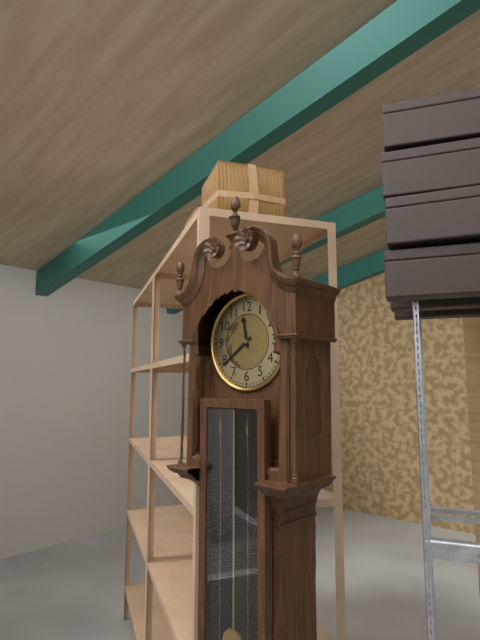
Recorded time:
h=11 m=39
